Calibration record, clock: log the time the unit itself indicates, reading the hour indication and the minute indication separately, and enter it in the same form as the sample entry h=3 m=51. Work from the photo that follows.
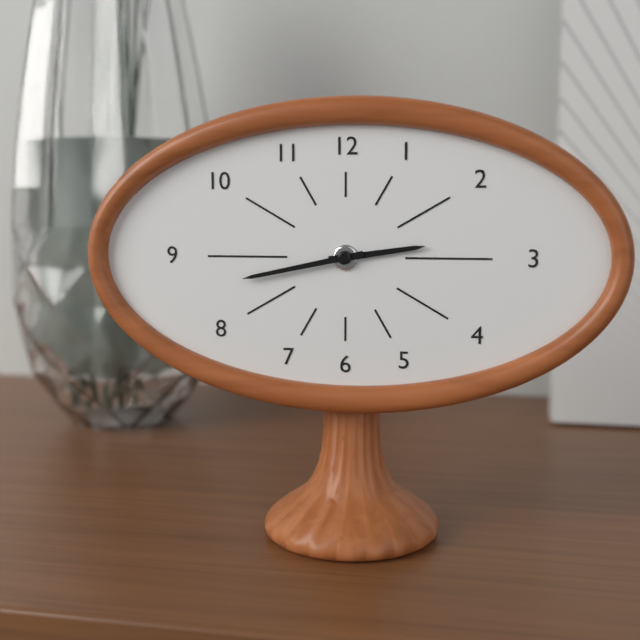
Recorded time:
h=2 m=43
